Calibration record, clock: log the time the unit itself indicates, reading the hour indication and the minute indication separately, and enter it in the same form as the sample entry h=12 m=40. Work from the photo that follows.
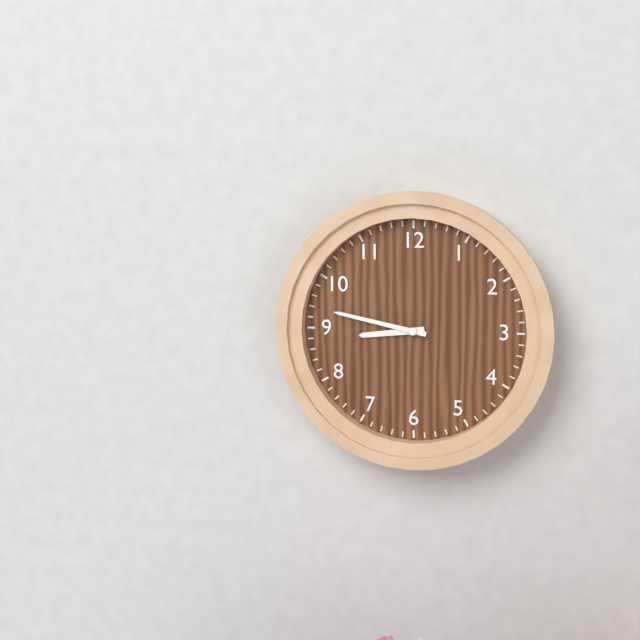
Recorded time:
h=8 m=47
